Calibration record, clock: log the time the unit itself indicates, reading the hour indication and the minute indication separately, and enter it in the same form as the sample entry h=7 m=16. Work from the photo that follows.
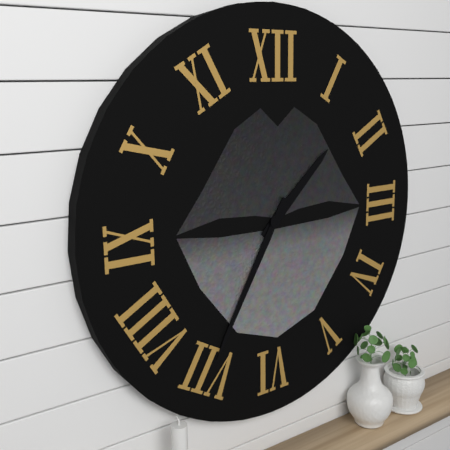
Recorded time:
h=1 m=35
